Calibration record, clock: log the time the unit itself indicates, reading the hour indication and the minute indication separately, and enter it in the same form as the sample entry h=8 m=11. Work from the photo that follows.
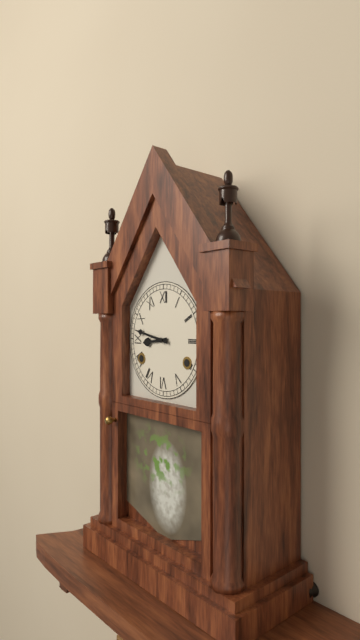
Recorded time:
h=8 m=47
